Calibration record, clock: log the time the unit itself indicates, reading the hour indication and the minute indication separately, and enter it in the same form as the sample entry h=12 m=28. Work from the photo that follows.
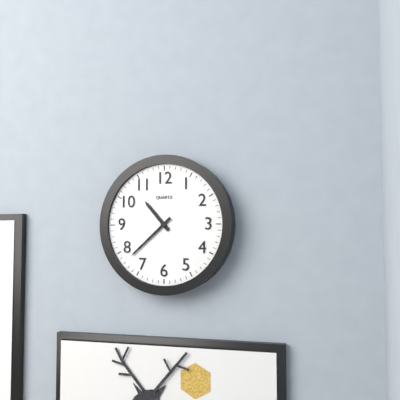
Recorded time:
h=10 m=38
